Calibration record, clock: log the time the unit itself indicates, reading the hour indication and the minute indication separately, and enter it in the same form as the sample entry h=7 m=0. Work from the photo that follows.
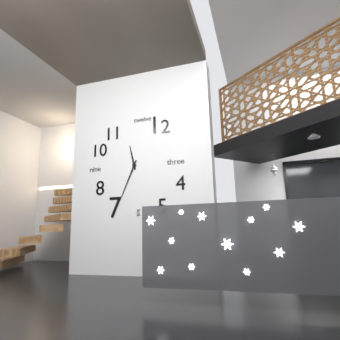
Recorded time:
h=11 m=34
